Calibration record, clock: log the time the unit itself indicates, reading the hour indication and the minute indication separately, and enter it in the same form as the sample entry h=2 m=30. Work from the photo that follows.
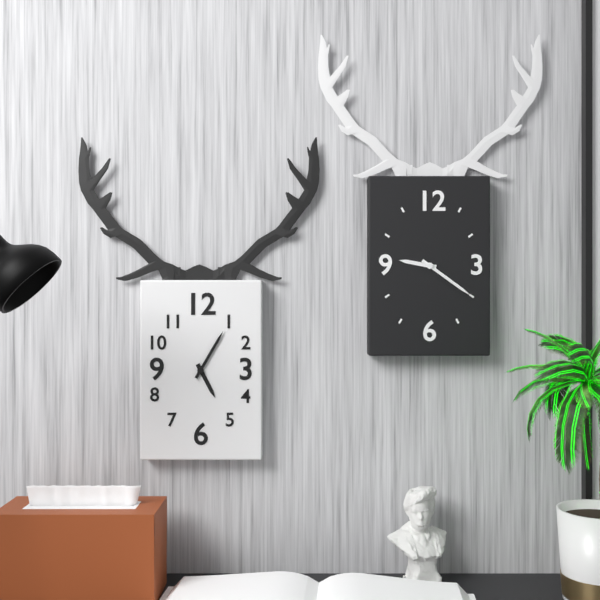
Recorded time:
h=5 m=5
